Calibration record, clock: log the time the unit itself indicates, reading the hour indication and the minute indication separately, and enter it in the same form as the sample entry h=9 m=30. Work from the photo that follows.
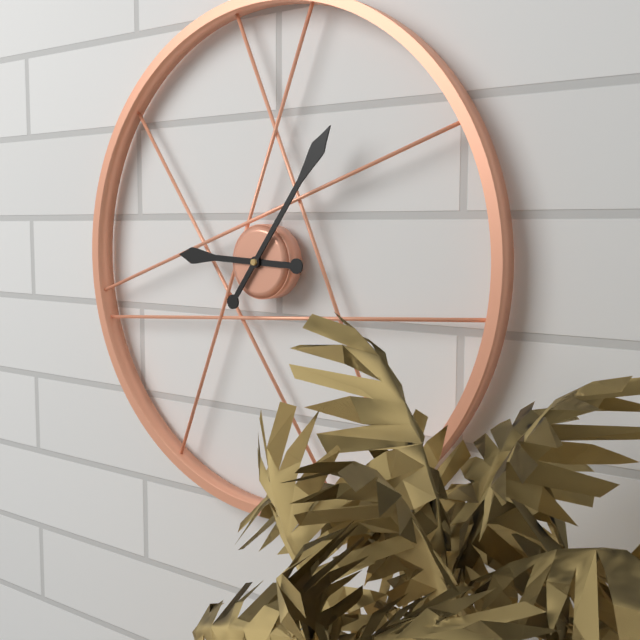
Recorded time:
h=9 m=6
